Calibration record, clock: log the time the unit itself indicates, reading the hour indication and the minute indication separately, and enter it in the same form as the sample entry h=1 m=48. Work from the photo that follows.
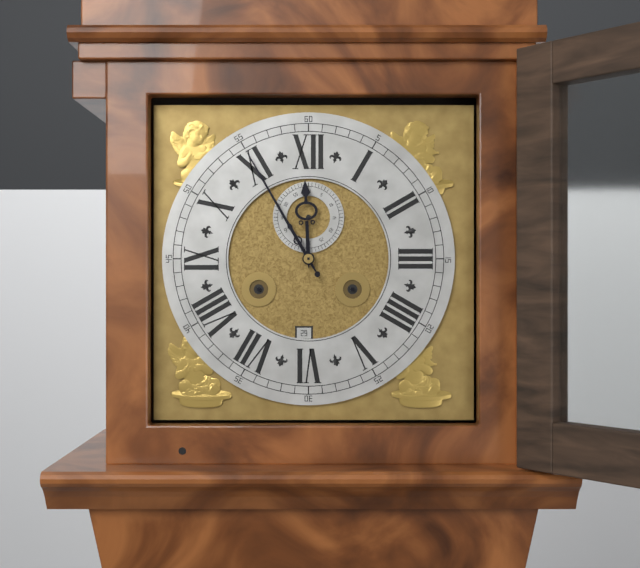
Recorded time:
h=11 m=55
